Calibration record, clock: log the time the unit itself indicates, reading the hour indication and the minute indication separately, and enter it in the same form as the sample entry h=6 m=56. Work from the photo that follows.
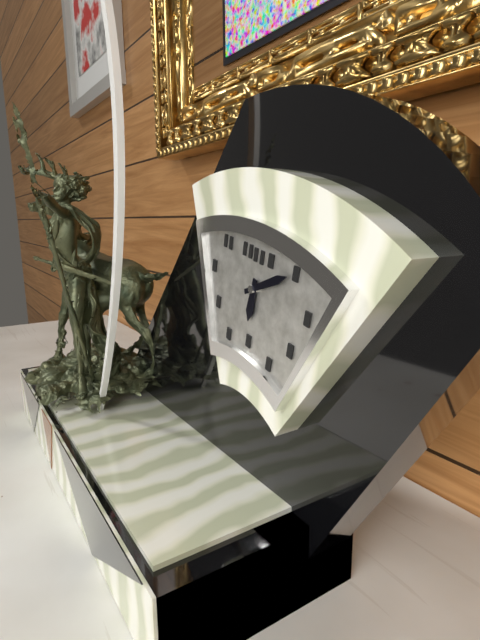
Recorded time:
h=6 m=10
